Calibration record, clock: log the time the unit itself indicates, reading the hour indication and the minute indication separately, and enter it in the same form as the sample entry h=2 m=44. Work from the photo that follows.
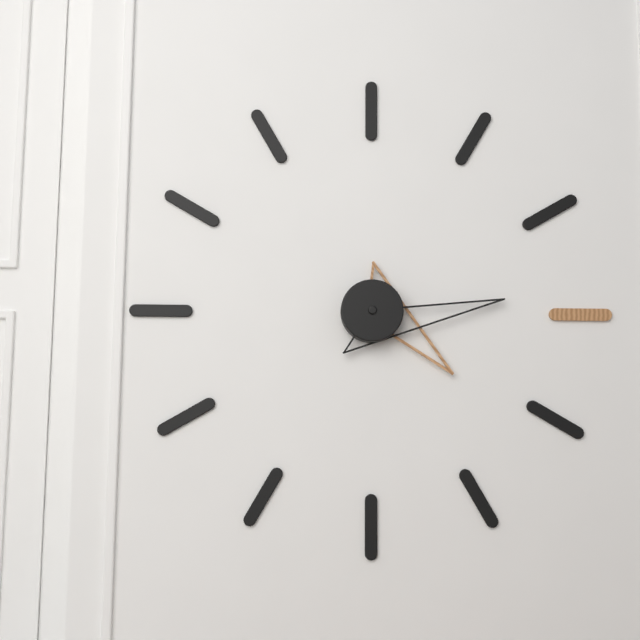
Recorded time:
h=4 m=14
